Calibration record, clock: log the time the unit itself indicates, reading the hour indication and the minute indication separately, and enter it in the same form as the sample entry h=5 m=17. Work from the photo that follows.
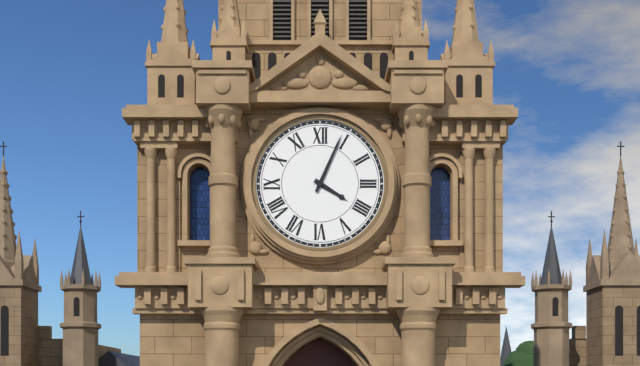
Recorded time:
h=4 m=4
